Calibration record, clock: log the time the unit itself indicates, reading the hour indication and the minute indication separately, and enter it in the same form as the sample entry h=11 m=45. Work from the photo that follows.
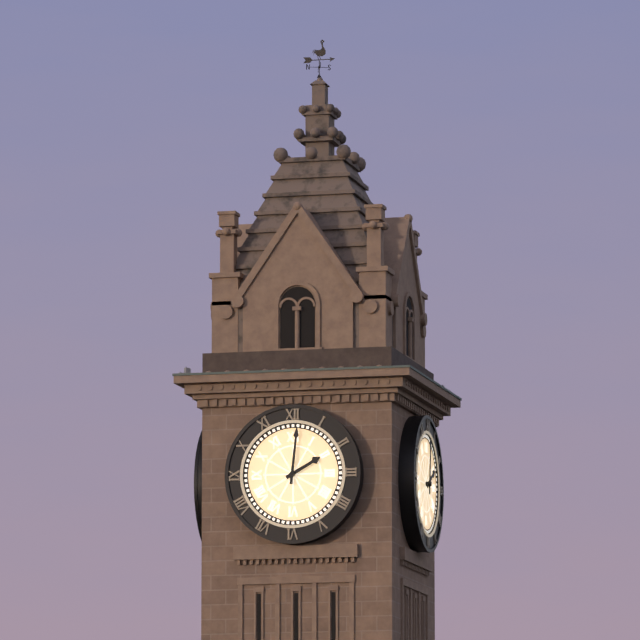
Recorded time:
h=2 m=1
